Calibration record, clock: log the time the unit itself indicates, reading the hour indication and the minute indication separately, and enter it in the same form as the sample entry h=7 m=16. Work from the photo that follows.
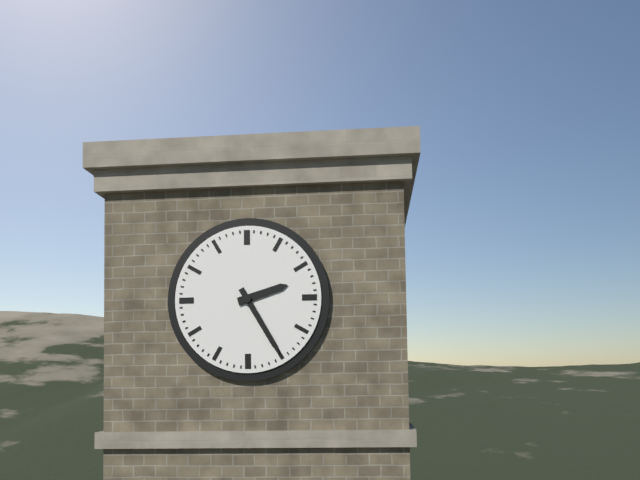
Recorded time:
h=2 m=25
